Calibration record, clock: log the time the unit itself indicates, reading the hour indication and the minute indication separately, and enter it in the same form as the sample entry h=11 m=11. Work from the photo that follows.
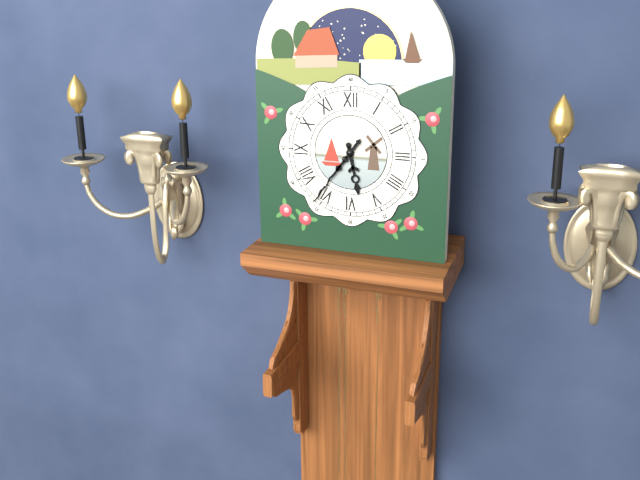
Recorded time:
h=5 m=36
